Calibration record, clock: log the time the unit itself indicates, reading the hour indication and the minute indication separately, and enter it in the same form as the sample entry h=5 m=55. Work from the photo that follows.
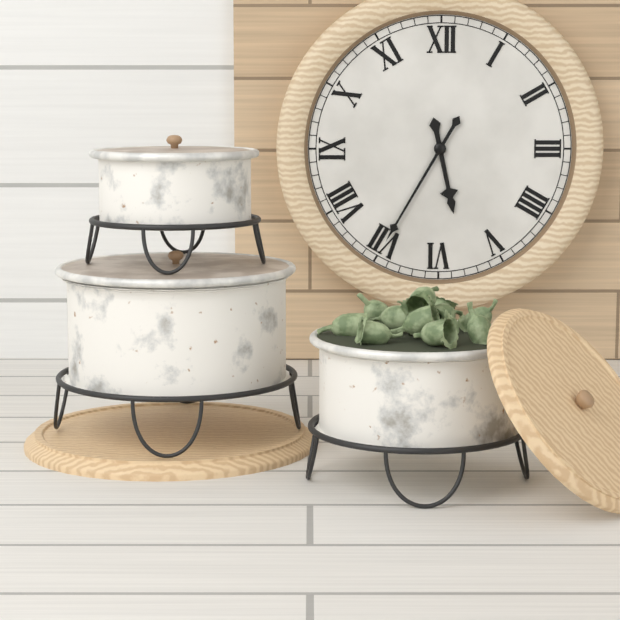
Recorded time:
h=5 m=35
